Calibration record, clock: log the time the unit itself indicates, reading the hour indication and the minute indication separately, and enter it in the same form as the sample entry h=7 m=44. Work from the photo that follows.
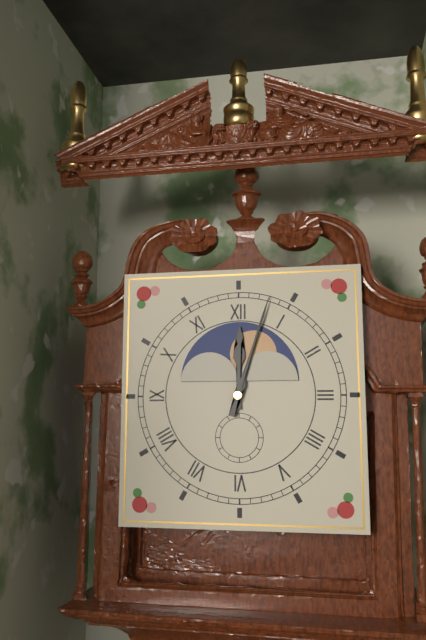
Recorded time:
h=12 m=3
